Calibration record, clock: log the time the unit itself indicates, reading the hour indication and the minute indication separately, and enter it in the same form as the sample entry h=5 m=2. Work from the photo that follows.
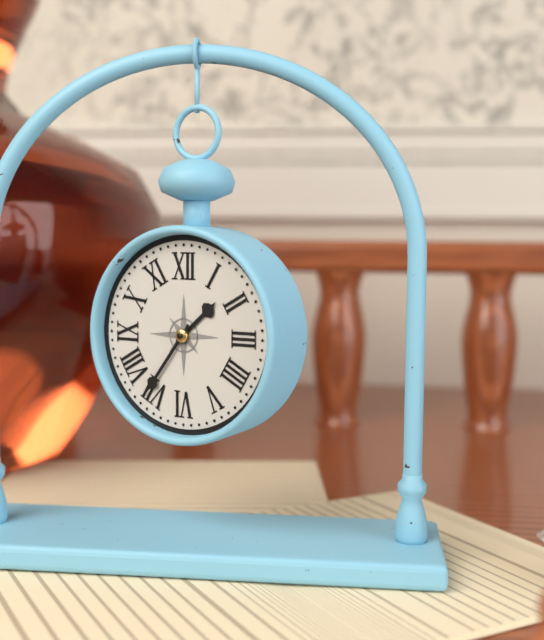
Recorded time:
h=1 m=36
